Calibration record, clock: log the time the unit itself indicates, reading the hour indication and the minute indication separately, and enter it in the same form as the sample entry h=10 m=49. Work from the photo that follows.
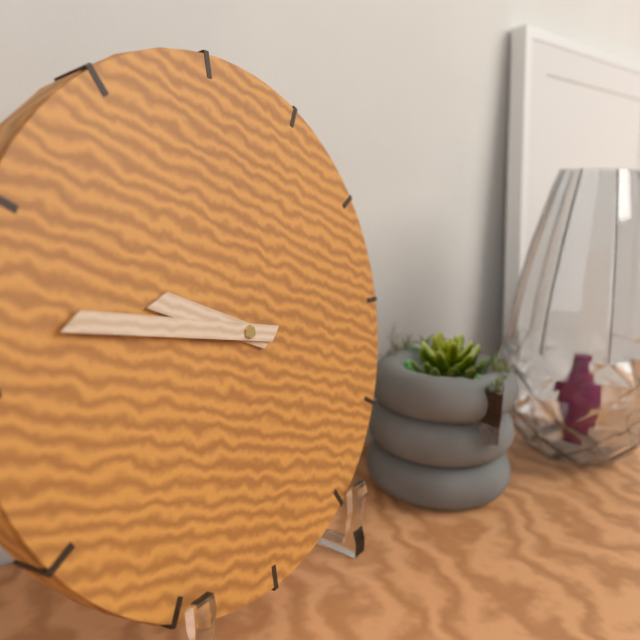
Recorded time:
h=9 m=47
